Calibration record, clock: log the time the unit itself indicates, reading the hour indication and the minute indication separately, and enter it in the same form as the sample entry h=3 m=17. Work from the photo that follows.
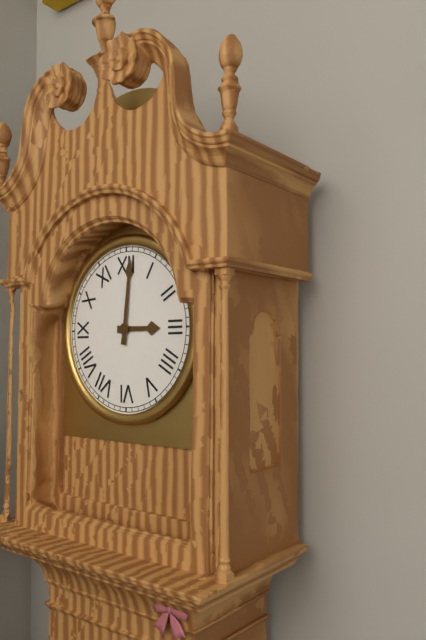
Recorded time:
h=3 m=1
